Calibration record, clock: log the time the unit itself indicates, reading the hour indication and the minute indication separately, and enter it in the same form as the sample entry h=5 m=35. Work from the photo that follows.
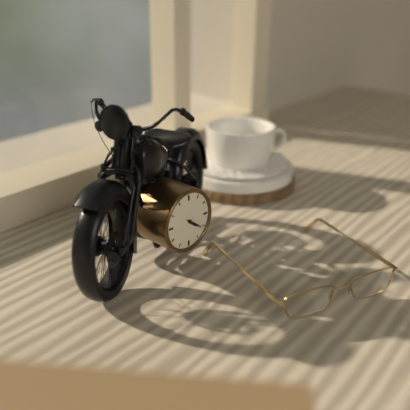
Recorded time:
h=4 m=21
